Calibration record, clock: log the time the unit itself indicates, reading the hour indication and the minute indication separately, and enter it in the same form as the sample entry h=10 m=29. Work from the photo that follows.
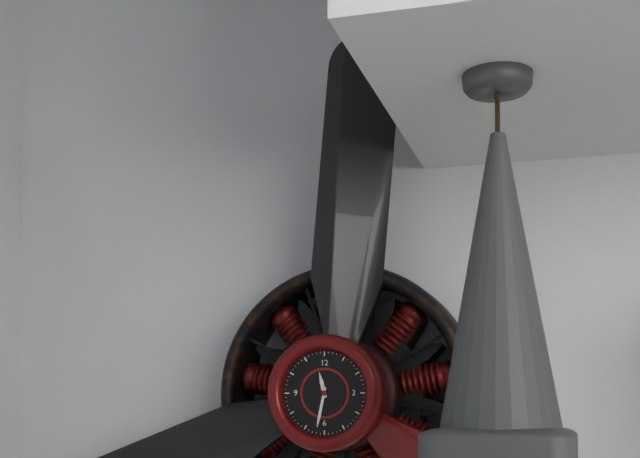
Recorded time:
h=11 m=32
